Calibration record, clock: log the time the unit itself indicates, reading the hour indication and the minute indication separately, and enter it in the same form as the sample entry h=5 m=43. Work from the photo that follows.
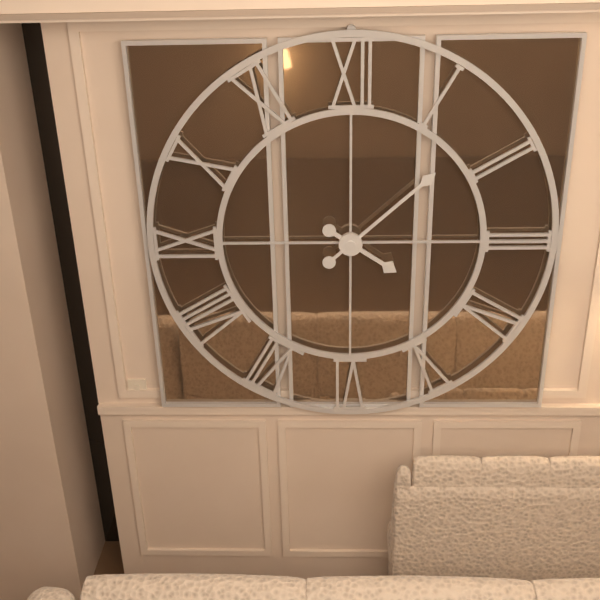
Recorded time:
h=4 m=8
